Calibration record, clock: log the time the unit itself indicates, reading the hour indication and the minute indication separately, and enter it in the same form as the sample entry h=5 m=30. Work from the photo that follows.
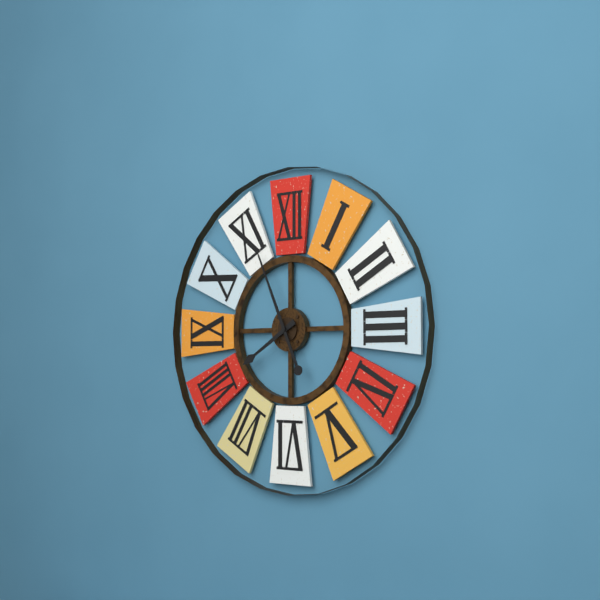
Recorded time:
h=7 m=56
